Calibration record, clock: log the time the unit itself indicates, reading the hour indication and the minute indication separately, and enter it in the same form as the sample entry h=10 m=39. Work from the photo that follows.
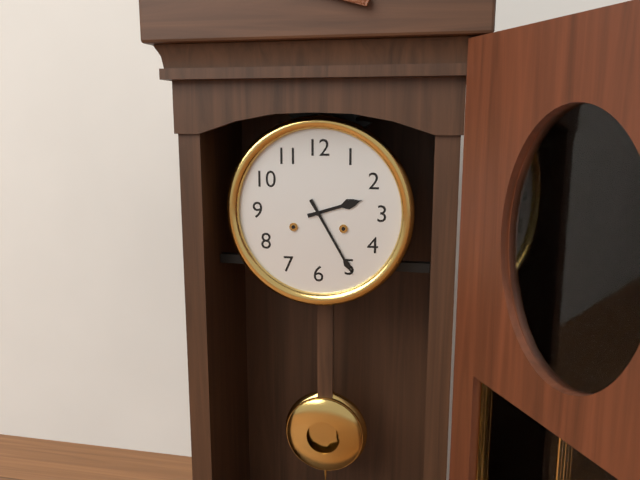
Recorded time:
h=2 m=25
